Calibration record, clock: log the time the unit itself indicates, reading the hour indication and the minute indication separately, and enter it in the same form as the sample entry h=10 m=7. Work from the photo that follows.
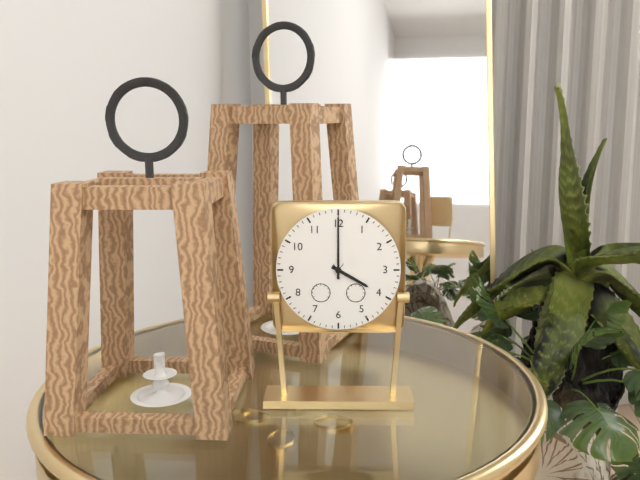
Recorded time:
h=4 m=0
